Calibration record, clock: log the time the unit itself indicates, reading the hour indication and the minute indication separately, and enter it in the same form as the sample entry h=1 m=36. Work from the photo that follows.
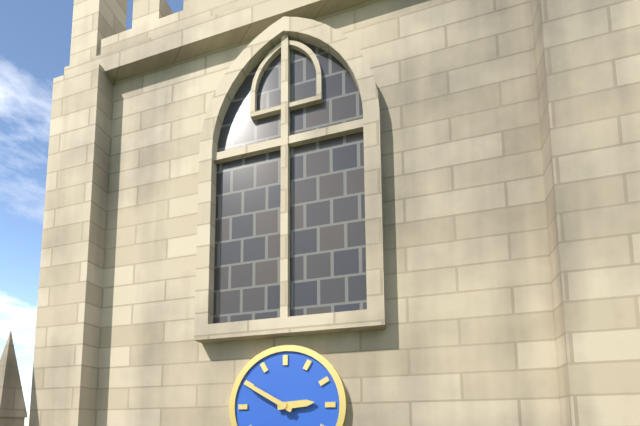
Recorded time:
h=2 m=50
